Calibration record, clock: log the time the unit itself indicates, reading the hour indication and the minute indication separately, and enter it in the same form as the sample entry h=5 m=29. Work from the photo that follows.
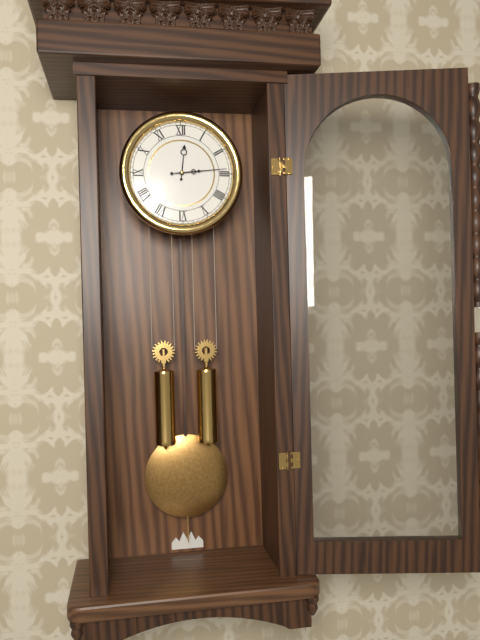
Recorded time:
h=12 m=14
